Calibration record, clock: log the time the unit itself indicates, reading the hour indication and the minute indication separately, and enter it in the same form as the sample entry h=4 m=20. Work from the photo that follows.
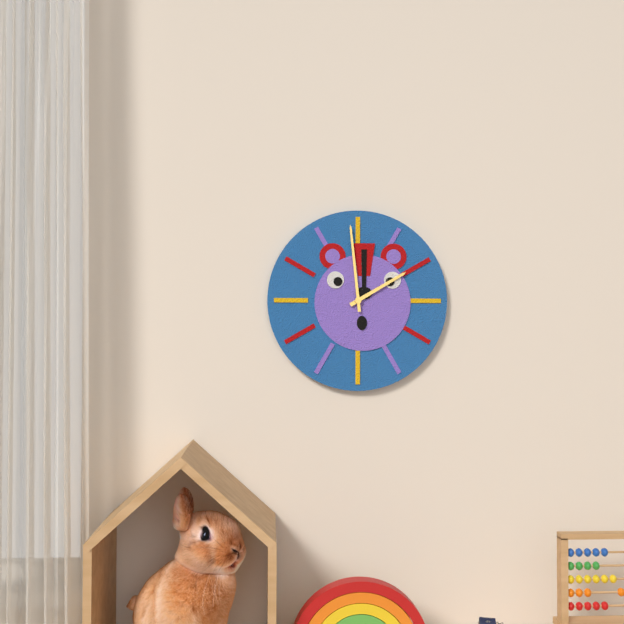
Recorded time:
h=1 m=59
